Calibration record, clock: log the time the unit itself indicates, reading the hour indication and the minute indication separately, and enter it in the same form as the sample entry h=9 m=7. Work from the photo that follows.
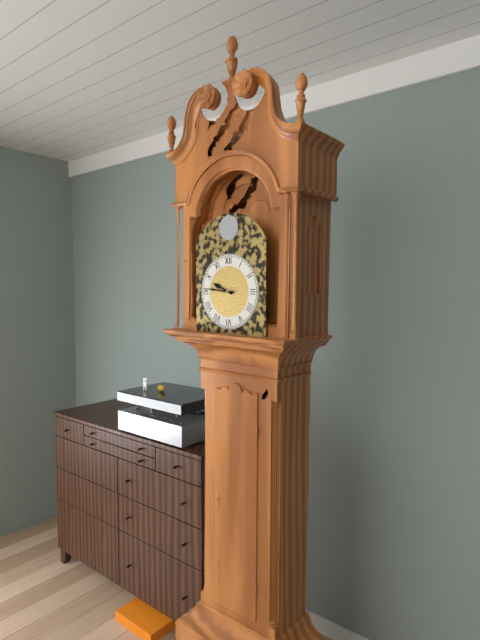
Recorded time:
h=9 m=46
